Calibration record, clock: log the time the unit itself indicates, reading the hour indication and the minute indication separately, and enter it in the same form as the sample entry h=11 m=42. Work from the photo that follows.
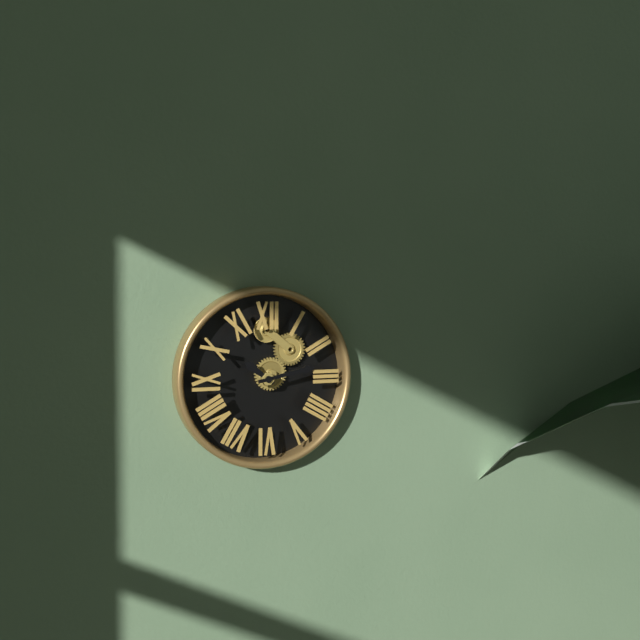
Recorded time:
h=10 m=13
